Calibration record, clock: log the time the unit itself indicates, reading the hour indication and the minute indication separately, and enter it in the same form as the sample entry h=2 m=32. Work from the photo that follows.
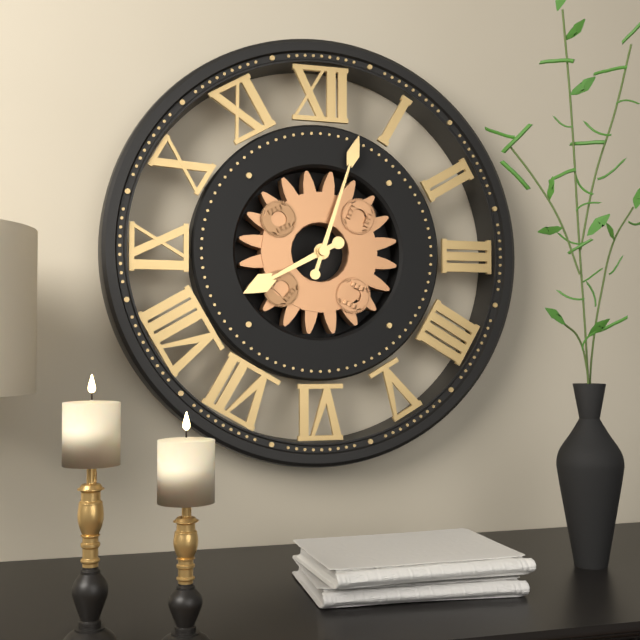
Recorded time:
h=8 m=3
